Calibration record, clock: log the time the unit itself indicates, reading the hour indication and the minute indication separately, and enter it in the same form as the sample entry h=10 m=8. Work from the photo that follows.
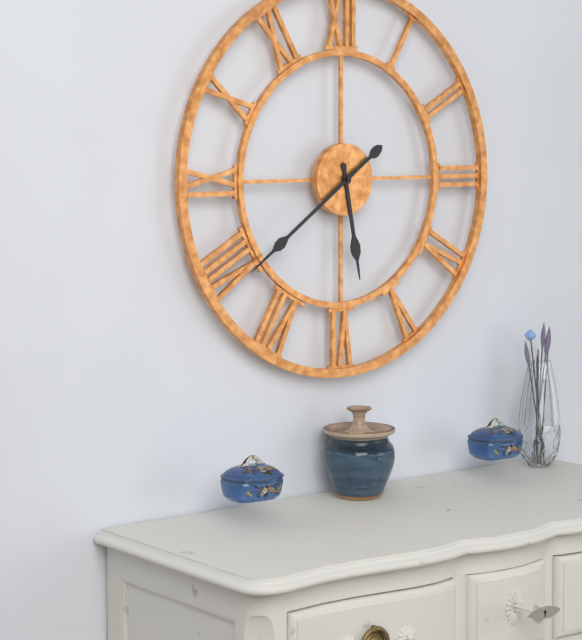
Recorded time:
h=5 m=39
